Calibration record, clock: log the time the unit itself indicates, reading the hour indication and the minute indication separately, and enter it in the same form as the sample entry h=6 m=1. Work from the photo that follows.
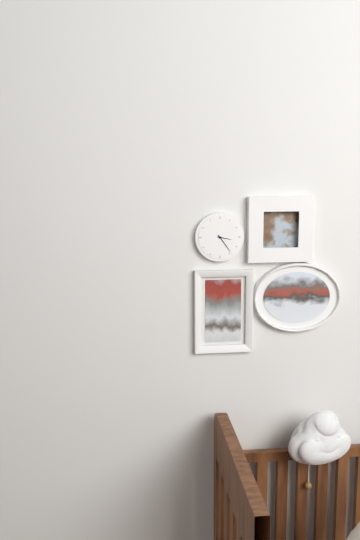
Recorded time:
h=3 m=24
